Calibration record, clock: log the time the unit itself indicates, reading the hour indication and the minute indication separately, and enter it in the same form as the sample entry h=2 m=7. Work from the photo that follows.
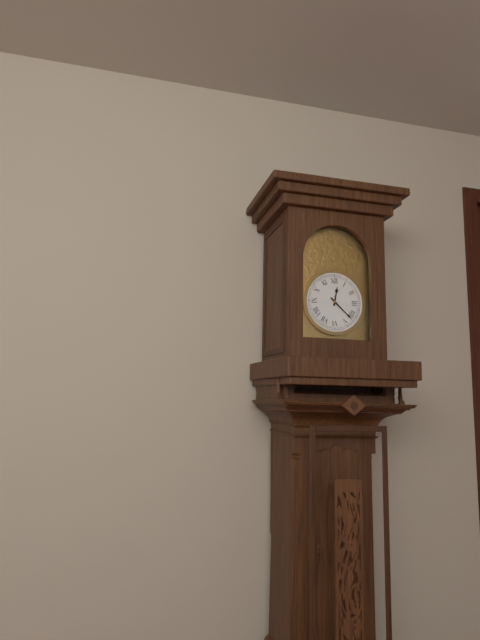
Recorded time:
h=12 m=22
